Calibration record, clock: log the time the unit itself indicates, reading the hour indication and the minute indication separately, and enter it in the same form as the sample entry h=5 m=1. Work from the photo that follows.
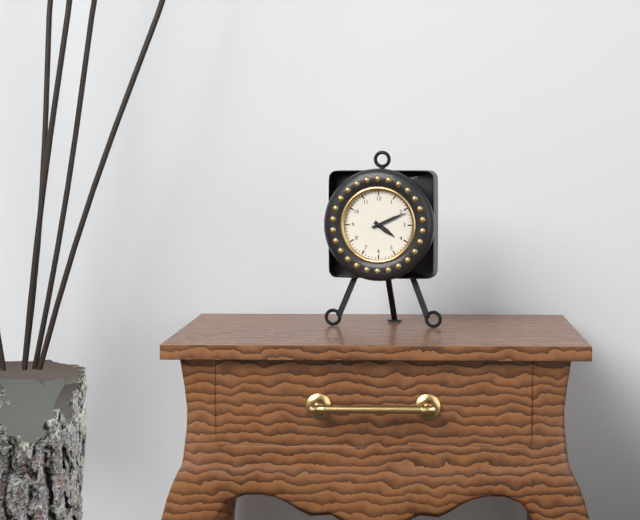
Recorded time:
h=4 m=11
